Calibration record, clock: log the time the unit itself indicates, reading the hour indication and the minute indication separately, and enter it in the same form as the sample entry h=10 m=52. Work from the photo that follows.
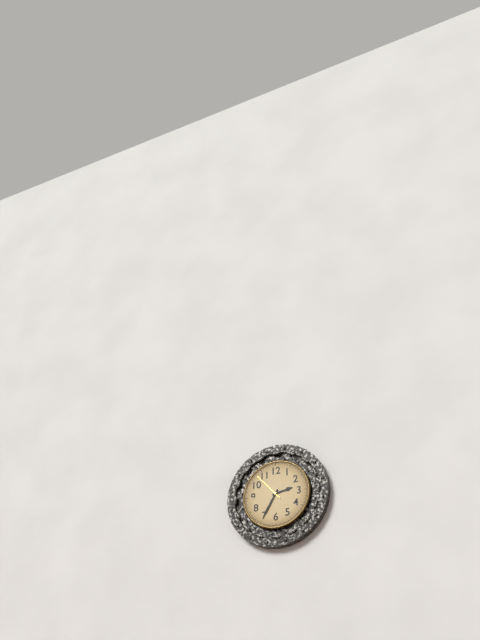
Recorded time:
h=2 m=35
